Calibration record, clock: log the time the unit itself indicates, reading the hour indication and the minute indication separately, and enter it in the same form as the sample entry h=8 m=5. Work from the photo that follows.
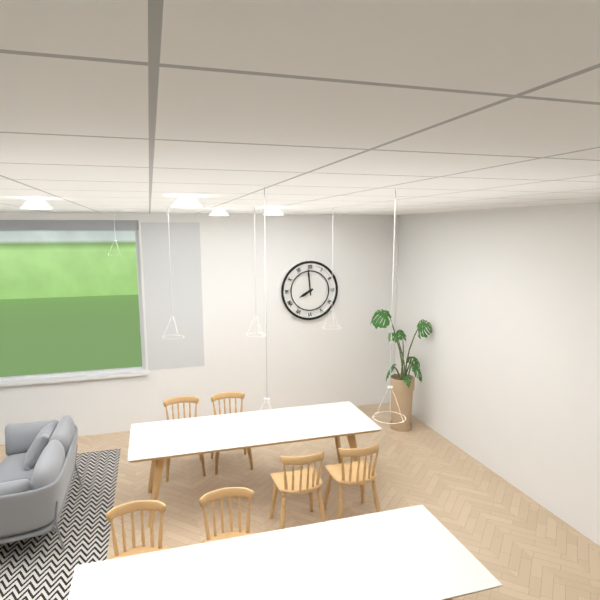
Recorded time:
h=7 m=59
